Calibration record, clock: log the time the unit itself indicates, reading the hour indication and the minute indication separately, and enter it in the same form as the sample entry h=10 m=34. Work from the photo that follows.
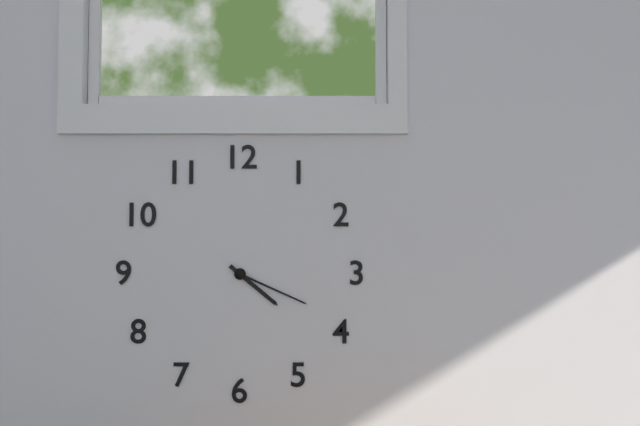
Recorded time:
h=4 m=19
